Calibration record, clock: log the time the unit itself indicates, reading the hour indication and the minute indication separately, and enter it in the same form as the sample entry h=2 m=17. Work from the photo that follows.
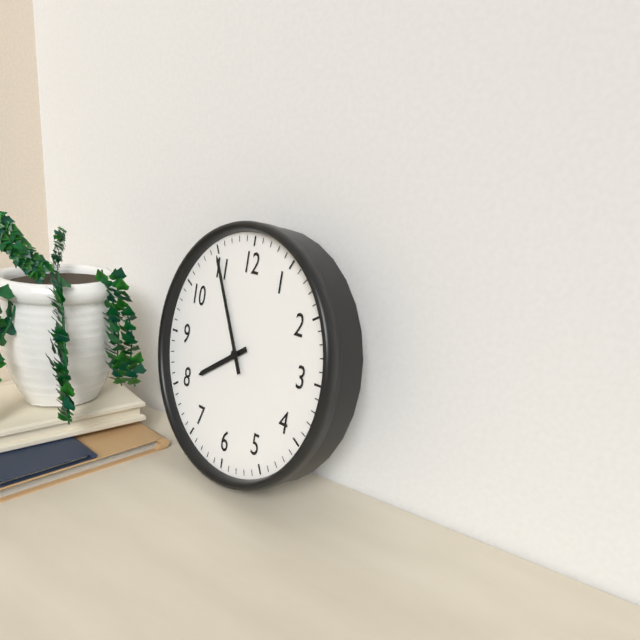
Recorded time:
h=7 m=55
